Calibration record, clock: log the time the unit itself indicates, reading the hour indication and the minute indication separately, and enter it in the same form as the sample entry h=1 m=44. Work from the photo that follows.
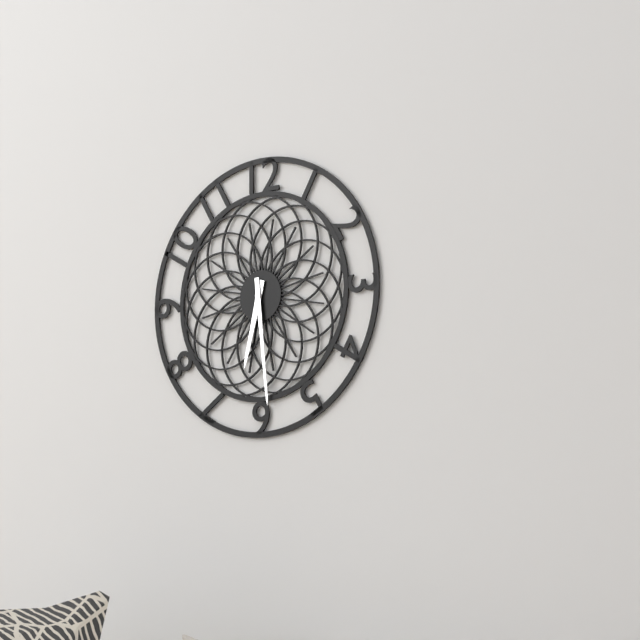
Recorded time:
h=6 m=29
